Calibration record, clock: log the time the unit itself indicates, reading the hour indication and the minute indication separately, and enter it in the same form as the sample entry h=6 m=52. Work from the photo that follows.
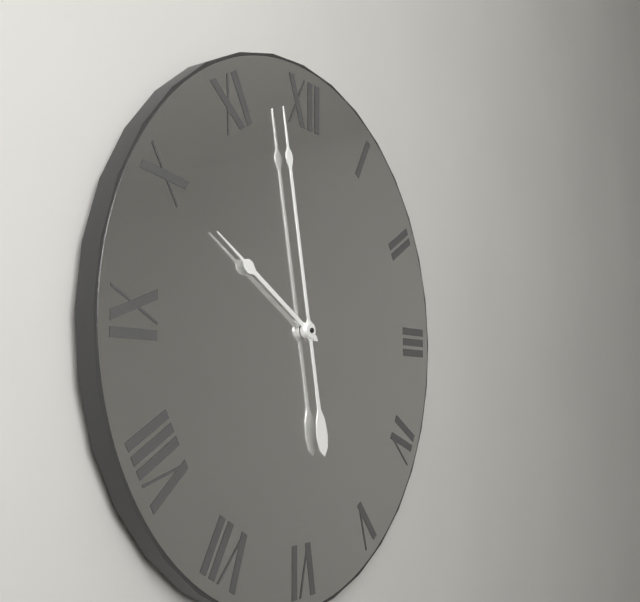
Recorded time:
h=9 m=58
